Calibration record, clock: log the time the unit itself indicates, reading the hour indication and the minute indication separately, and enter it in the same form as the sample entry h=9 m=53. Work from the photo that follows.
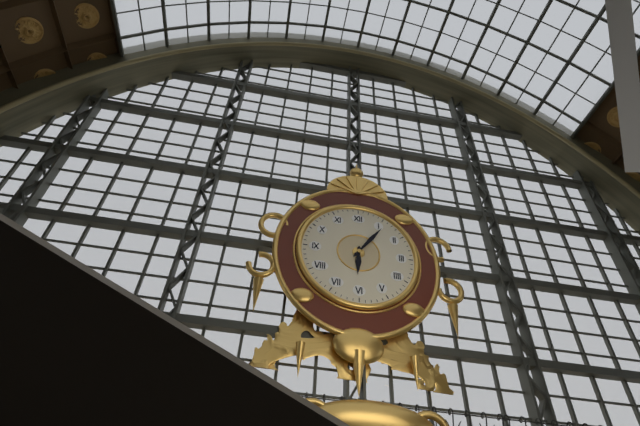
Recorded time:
h=6 m=6
